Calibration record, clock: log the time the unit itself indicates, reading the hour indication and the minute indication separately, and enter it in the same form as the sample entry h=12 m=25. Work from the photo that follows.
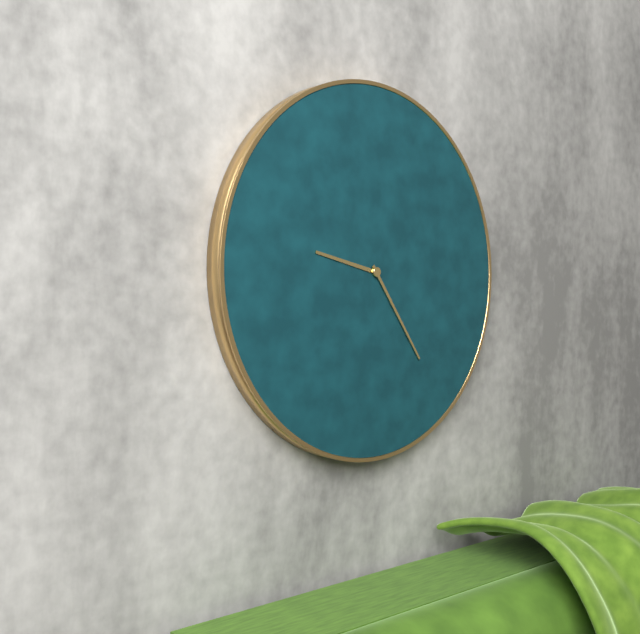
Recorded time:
h=9 m=24
